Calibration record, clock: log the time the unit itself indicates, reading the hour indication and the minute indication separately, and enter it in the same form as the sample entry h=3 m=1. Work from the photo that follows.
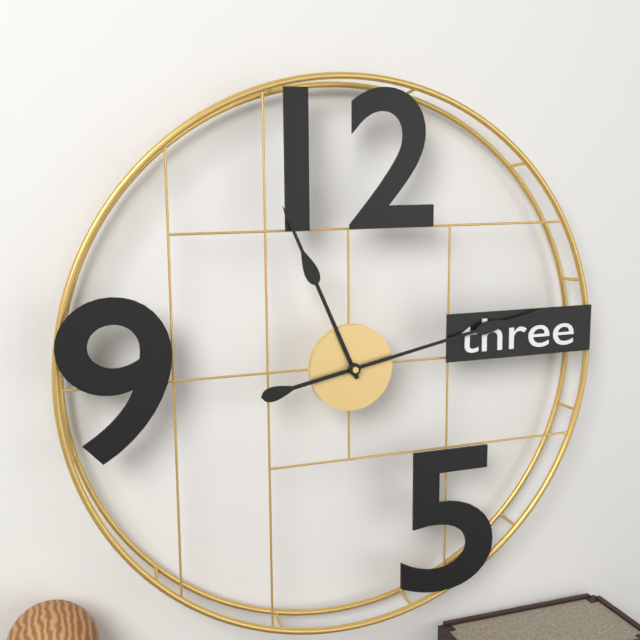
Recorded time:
h=11 m=13
